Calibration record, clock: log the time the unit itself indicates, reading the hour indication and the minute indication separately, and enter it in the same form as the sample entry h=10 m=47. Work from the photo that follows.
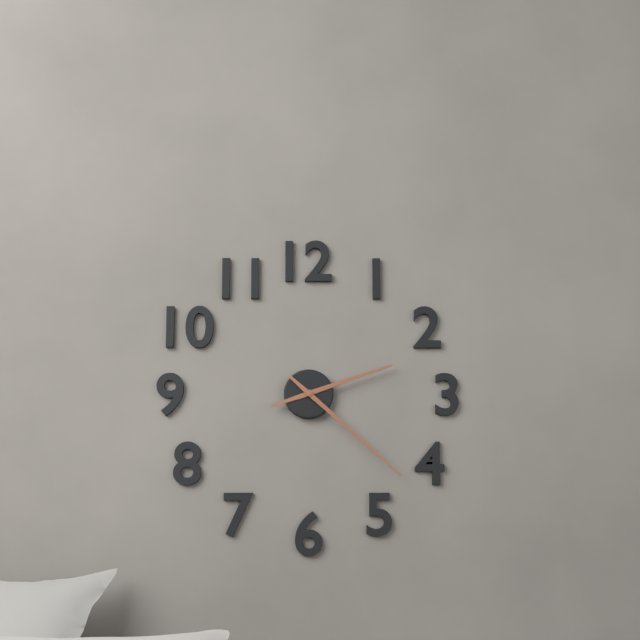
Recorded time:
h=2 m=22
